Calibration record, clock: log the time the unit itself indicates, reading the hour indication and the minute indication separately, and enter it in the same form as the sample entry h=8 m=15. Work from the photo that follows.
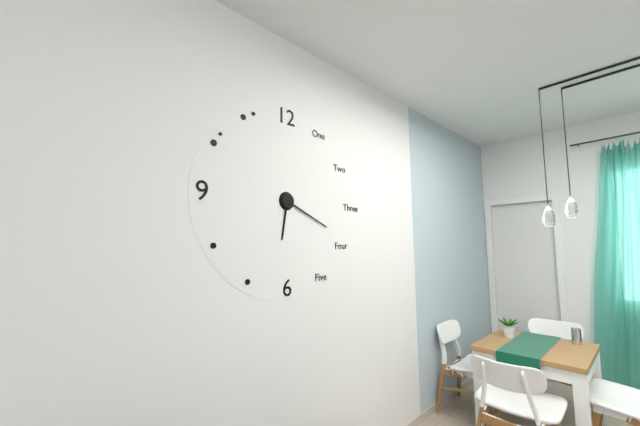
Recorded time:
h=6 m=19
